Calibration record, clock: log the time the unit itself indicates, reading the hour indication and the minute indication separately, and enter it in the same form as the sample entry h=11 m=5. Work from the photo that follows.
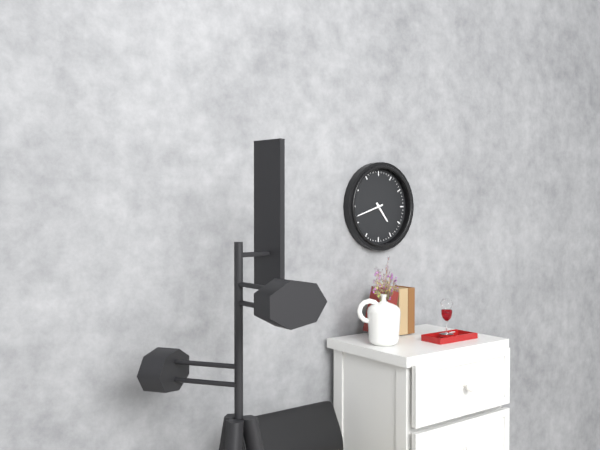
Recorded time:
h=4 m=42
